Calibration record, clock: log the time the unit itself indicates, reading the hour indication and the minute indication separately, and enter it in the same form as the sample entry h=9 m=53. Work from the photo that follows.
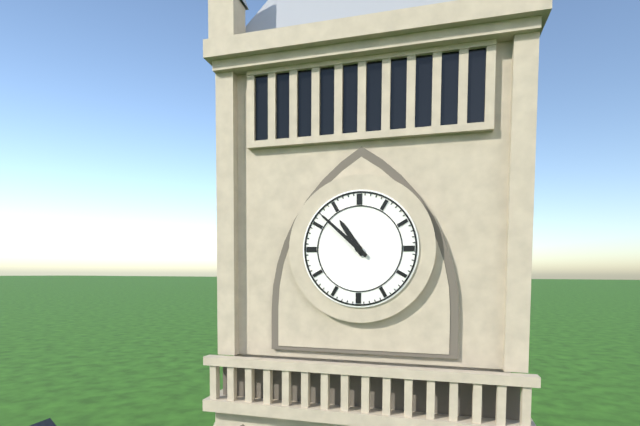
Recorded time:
h=10 m=52
